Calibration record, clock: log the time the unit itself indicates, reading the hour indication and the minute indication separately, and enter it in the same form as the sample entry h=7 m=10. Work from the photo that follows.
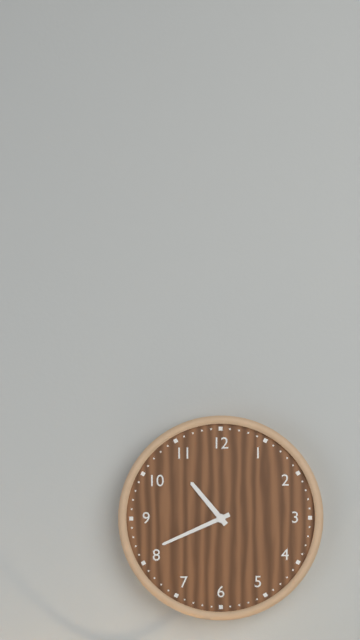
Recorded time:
h=10 m=41
